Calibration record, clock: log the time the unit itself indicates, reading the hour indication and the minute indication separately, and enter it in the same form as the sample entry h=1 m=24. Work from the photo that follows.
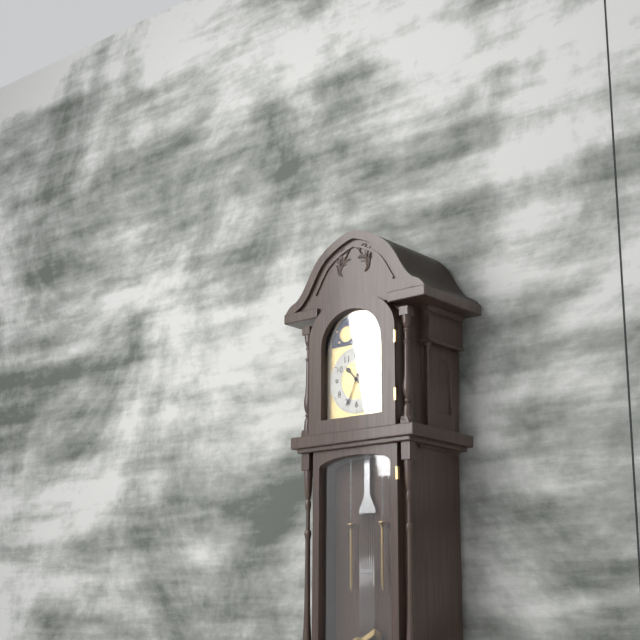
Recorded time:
h=10 m=34
